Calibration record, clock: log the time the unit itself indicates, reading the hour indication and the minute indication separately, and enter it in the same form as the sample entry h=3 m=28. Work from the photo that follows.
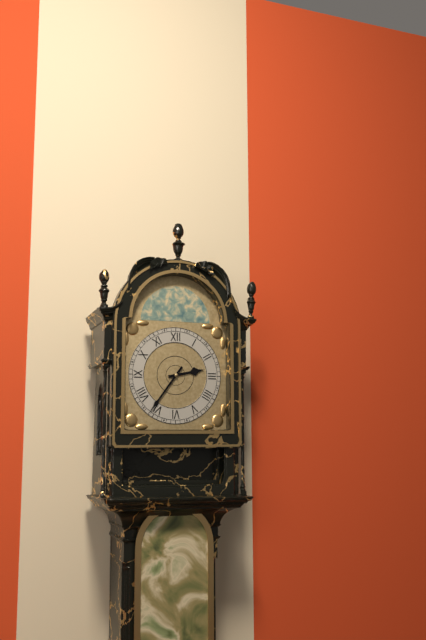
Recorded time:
h=2 m=36
